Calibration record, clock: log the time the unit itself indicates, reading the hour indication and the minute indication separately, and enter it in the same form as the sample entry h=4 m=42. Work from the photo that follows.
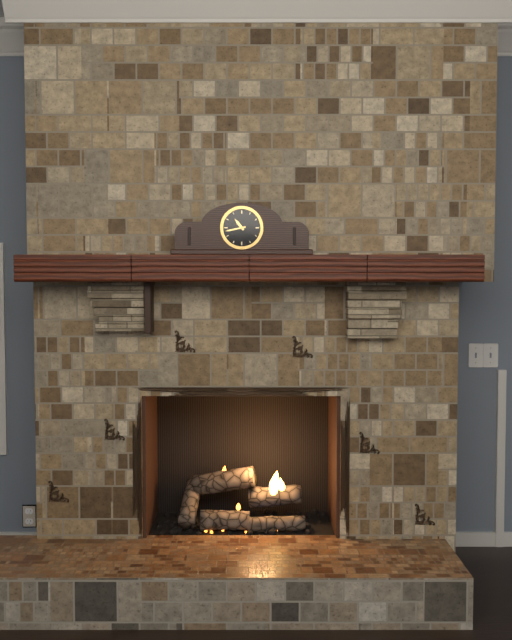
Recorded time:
h=10 m=43
